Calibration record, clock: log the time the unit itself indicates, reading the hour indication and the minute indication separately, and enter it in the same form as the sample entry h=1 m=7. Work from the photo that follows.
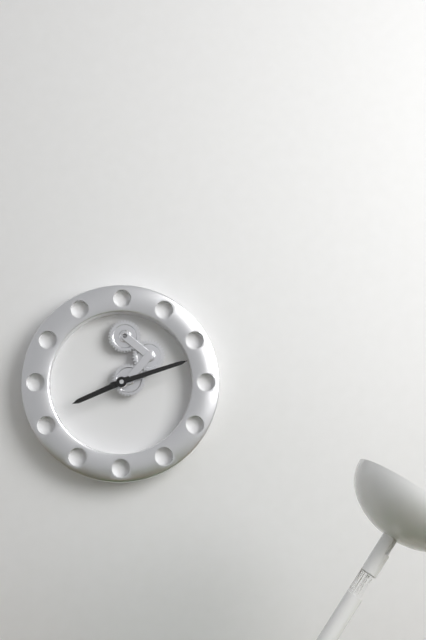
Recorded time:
h=8 m=12
